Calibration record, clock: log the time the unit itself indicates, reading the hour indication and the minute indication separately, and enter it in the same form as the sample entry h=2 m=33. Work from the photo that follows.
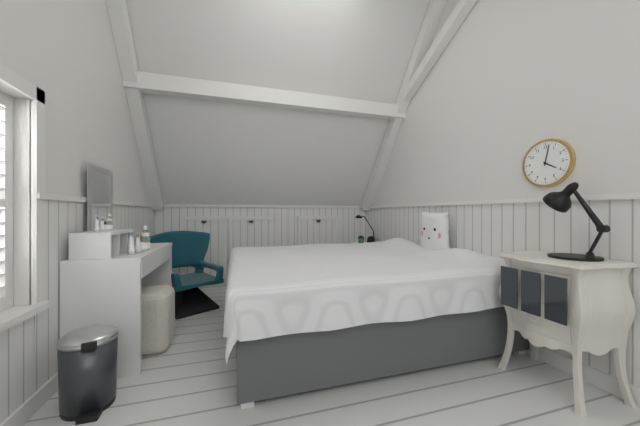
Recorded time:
h=4 m=2
